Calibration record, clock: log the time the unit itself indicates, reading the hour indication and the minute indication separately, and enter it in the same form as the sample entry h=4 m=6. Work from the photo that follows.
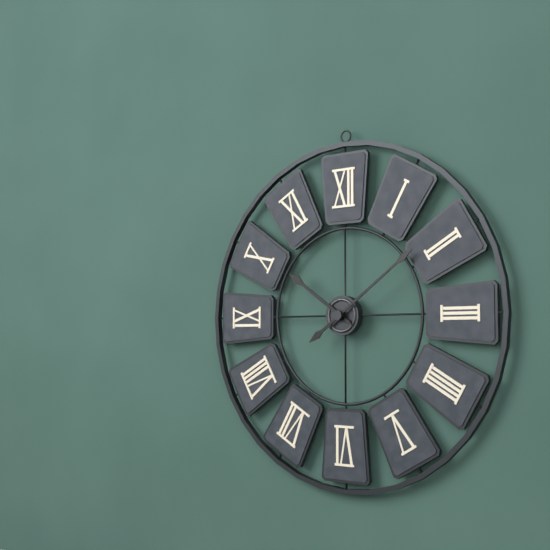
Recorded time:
h=10 m=9
